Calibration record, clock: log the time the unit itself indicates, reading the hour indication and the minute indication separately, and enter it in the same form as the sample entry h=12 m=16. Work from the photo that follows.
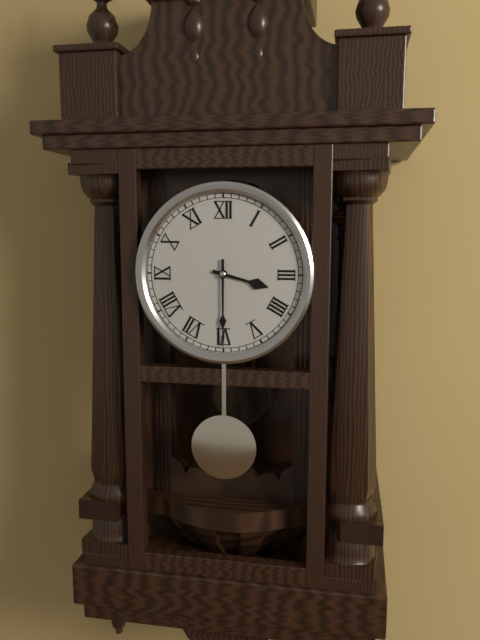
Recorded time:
h=3 m=30
